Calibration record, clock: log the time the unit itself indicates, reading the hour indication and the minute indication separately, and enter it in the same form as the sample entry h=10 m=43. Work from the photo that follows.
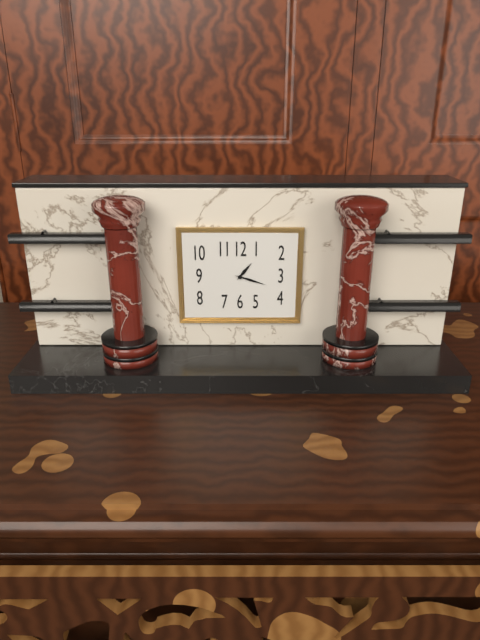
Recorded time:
h=1 m=18
